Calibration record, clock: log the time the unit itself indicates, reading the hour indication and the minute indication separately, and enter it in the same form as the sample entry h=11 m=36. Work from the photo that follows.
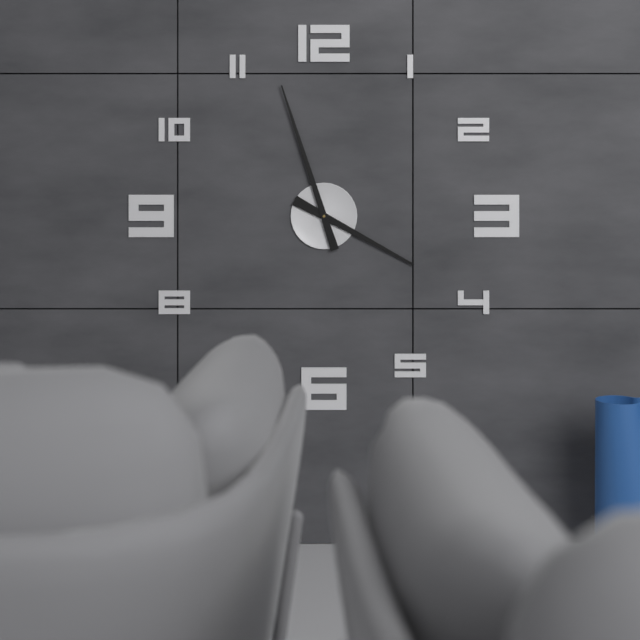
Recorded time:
h=3 m=57
